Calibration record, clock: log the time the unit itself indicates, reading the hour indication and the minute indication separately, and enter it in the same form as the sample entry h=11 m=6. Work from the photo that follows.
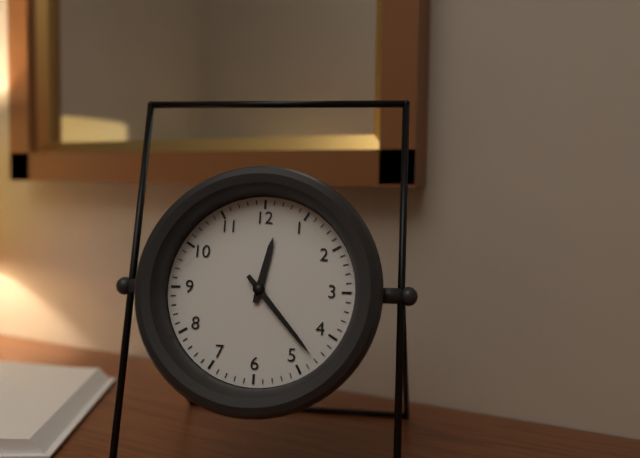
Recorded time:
h=12 m=23
